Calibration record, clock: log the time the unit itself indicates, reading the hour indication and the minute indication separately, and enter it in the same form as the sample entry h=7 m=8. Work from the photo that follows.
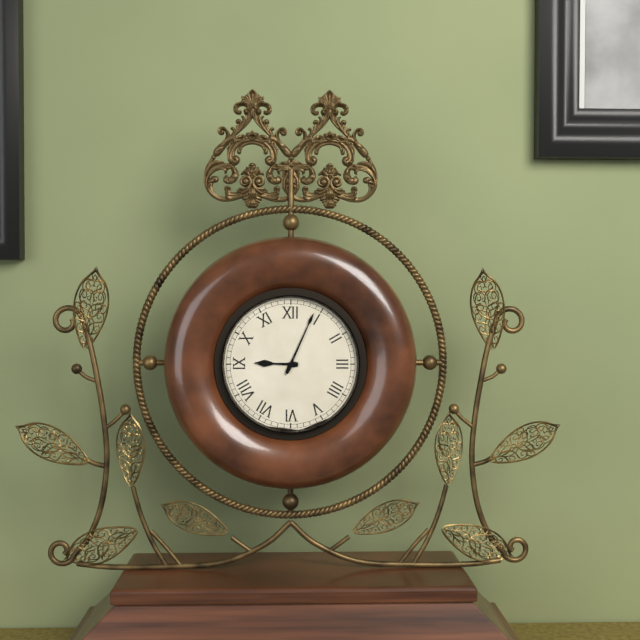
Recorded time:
h=9 m=4
